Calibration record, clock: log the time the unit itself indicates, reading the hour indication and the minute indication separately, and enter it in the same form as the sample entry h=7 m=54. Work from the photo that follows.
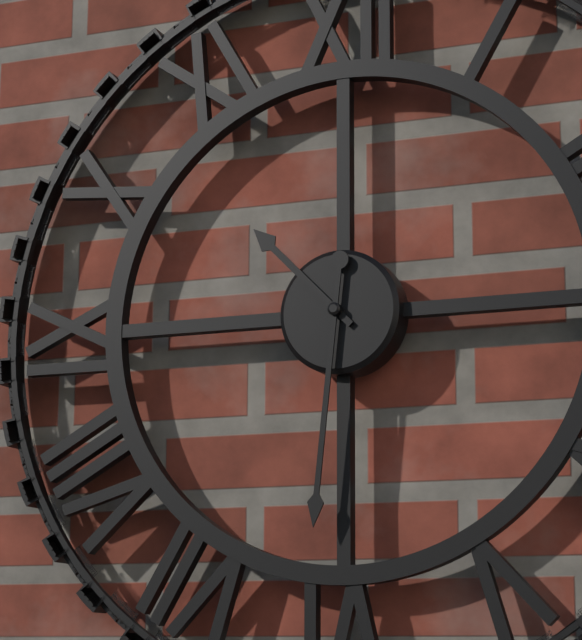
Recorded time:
h=10 m=31
